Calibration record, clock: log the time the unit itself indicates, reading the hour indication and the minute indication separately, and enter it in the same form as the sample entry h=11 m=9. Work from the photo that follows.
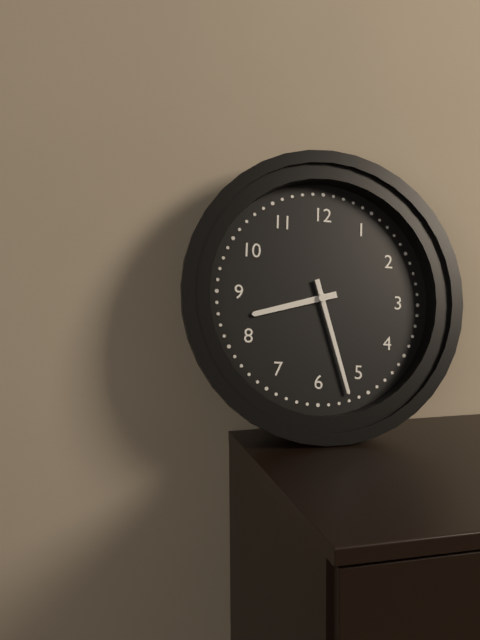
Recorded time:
h=8 m=27
